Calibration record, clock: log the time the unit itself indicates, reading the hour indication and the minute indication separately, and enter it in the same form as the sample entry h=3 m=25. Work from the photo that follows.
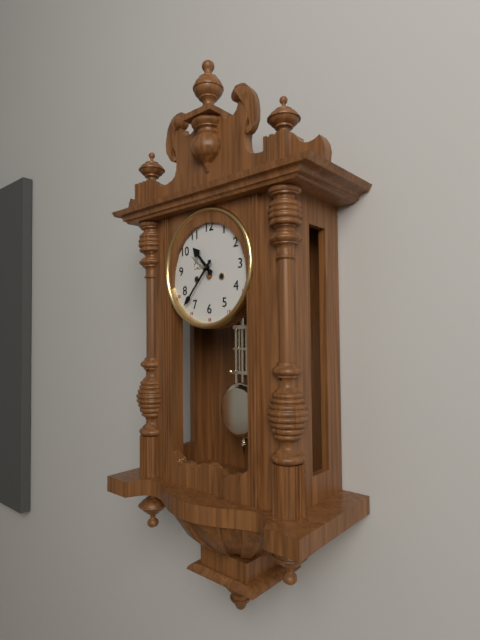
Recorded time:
h=10 m=37
